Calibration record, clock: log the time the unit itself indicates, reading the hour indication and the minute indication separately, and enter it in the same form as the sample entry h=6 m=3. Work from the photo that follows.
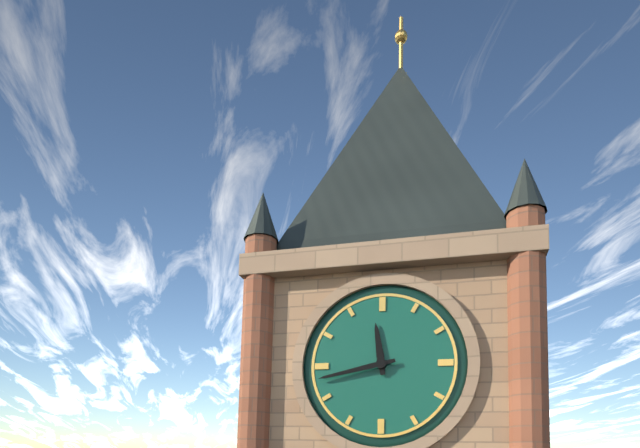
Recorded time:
h=11 m=43
